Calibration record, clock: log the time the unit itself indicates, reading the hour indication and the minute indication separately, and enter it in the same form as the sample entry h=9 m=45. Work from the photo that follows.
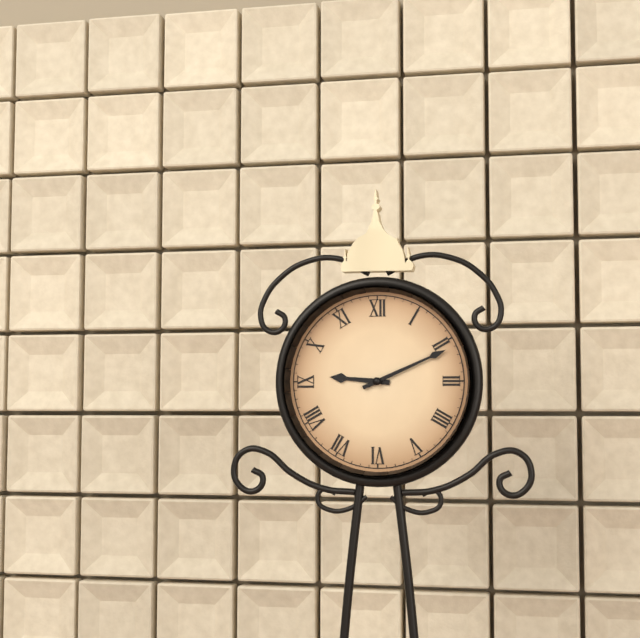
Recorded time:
h=9 m=11
